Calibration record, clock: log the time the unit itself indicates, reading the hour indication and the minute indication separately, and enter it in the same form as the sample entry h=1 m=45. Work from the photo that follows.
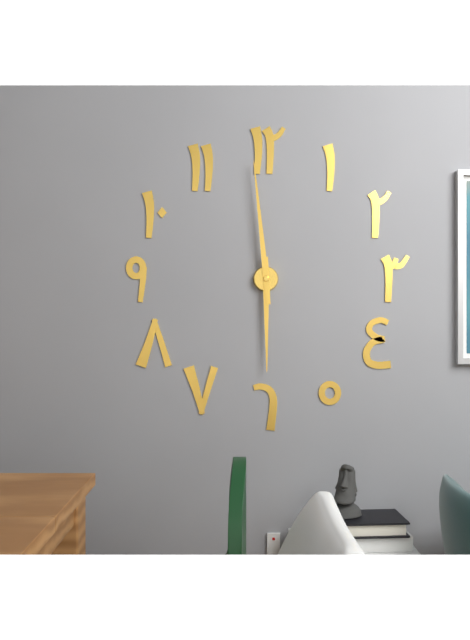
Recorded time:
h=5 m=59
